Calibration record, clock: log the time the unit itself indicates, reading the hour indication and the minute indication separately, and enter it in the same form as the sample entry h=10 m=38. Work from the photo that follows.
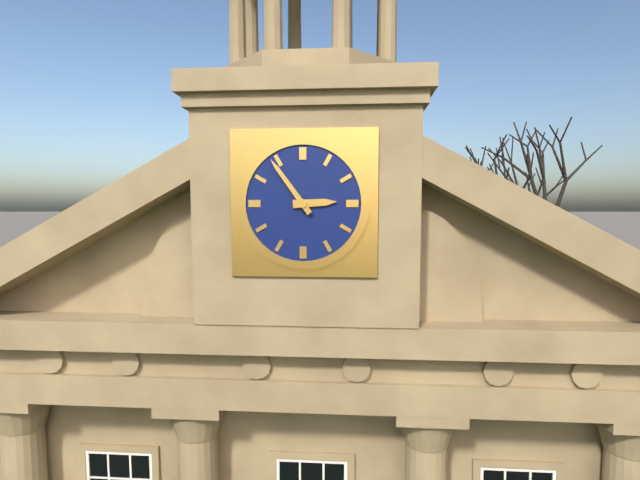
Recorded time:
h=2 m=54
